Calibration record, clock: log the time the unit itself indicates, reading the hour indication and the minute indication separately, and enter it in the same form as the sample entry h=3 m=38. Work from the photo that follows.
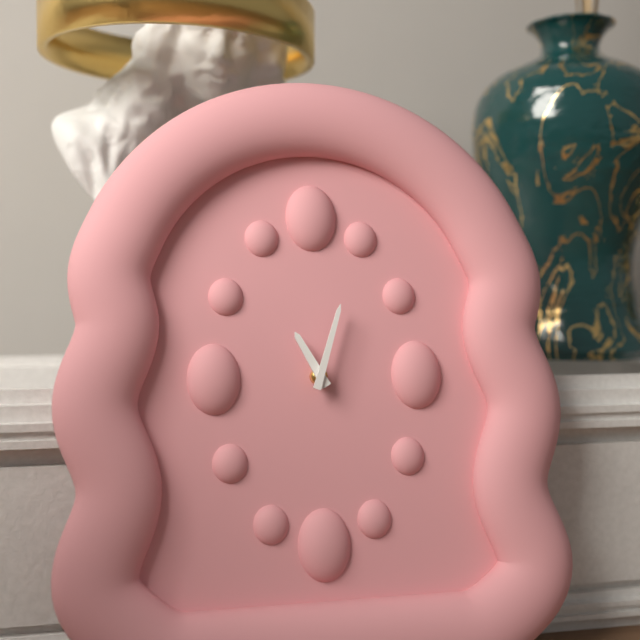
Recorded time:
h=11 m=3
